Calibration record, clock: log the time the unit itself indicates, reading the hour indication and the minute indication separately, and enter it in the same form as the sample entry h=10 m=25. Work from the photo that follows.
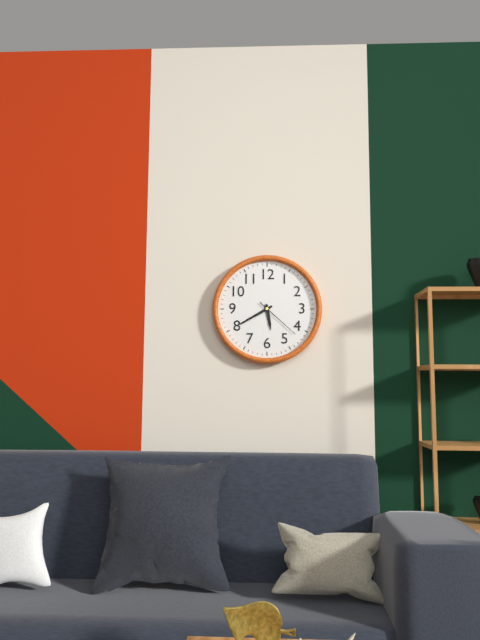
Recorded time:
h=5 m=40
